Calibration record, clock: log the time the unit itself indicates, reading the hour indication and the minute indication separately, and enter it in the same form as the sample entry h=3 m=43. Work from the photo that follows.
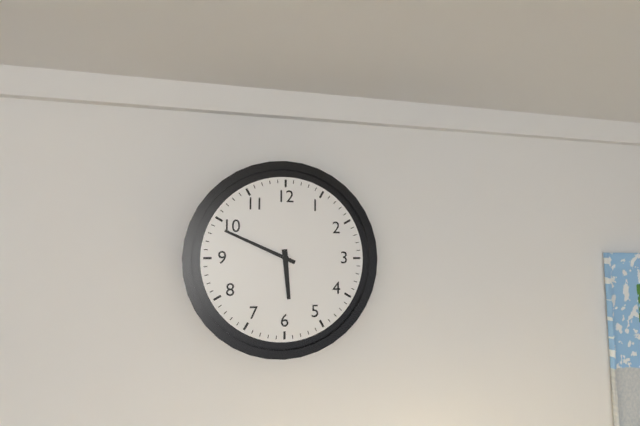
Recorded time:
h=5 m=49
